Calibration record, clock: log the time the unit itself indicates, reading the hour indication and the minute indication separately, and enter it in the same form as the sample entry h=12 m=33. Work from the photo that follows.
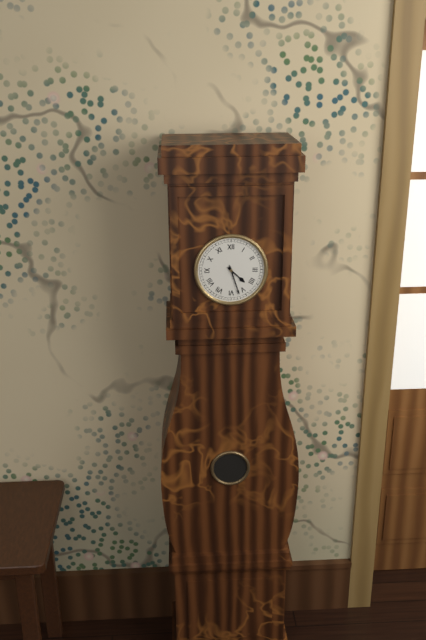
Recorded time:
h=4 m=27
